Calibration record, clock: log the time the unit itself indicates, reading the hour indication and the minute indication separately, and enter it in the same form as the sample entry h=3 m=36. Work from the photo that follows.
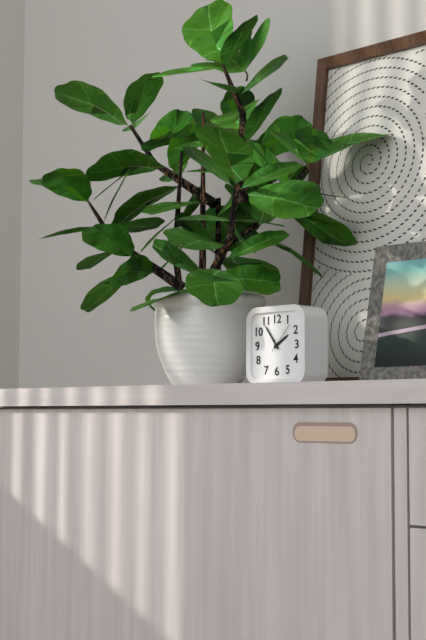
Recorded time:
h=1 m=54
